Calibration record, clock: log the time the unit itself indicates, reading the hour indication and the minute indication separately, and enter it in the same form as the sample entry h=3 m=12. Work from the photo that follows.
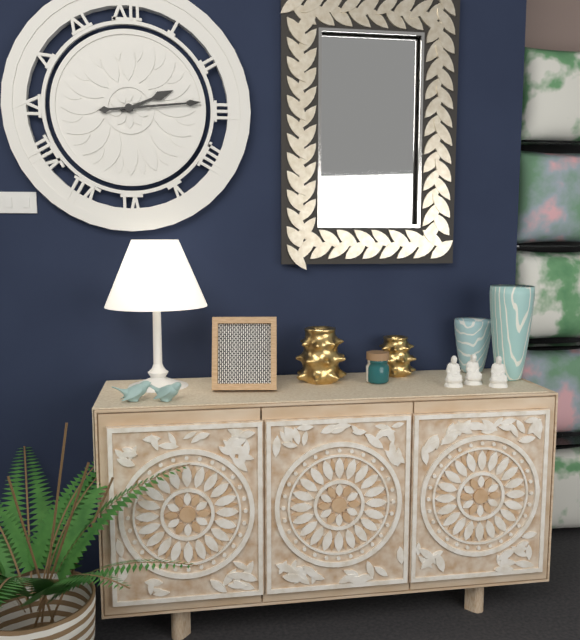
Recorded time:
h=2 m=14
